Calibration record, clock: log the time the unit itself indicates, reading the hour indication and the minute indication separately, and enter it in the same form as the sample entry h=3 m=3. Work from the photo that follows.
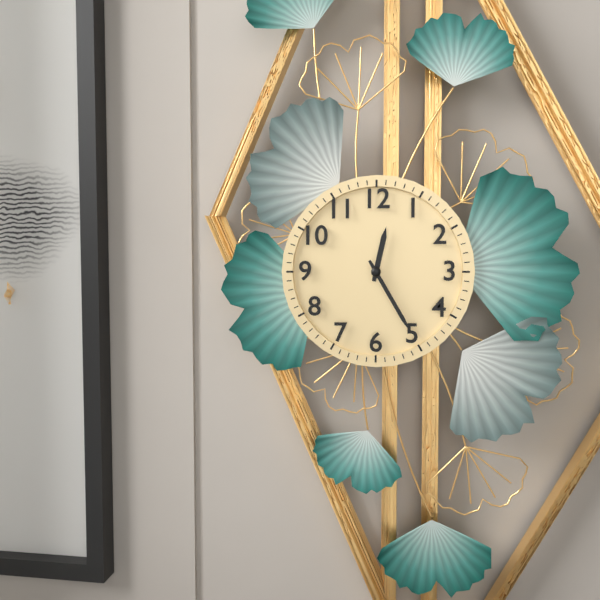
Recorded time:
h=12 m=25
